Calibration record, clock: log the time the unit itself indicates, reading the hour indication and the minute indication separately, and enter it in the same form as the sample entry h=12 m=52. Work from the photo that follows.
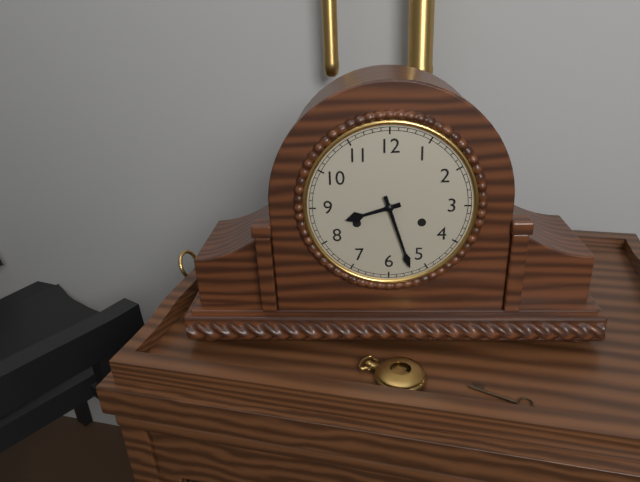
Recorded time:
h=8 m=27
